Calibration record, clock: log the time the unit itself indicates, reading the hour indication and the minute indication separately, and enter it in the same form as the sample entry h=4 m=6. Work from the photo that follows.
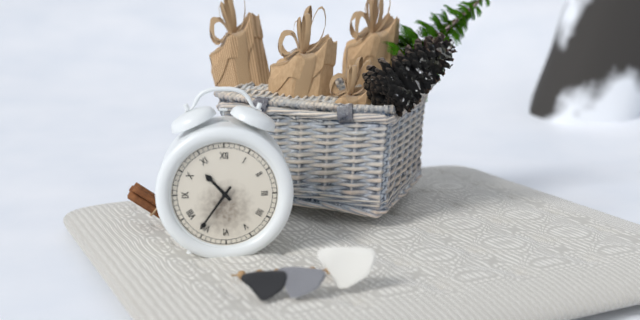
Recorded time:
h=10 m=36
